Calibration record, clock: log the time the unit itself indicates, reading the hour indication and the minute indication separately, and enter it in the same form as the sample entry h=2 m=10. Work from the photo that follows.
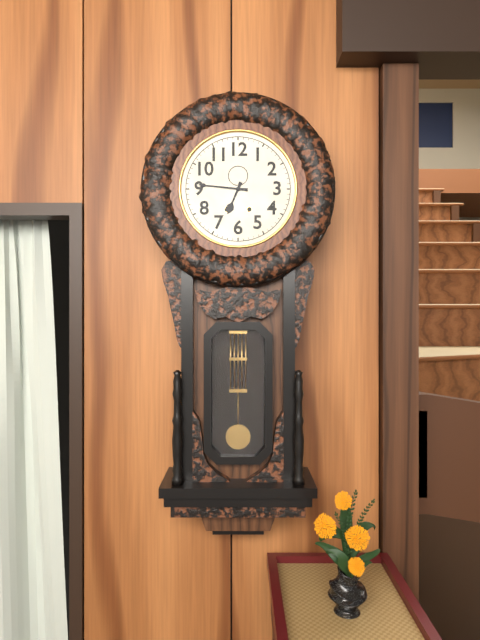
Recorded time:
h=6 m=46
